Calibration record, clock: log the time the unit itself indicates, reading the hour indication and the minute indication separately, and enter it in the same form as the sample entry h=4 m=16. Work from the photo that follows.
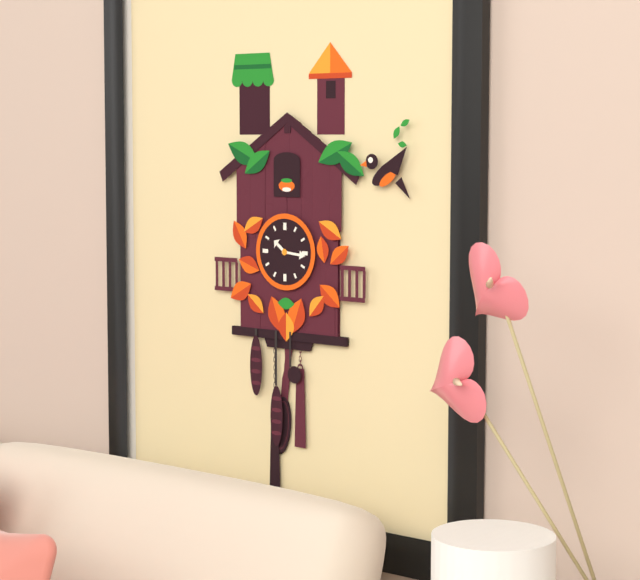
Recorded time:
h=10 m=16
